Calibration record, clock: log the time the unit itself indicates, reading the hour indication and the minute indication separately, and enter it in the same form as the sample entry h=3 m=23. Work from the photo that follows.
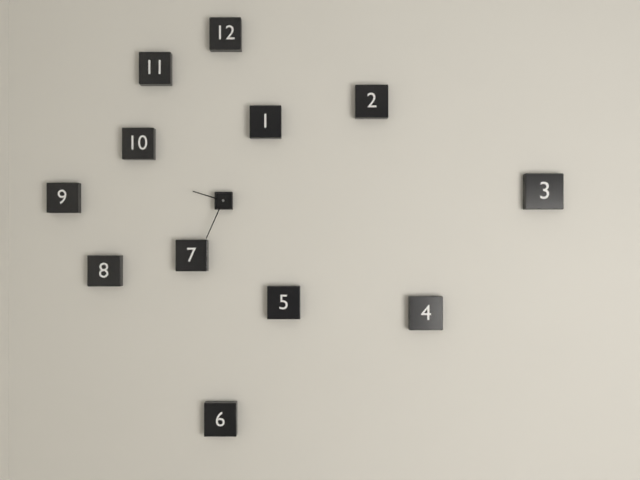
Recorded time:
h=9 m=34
